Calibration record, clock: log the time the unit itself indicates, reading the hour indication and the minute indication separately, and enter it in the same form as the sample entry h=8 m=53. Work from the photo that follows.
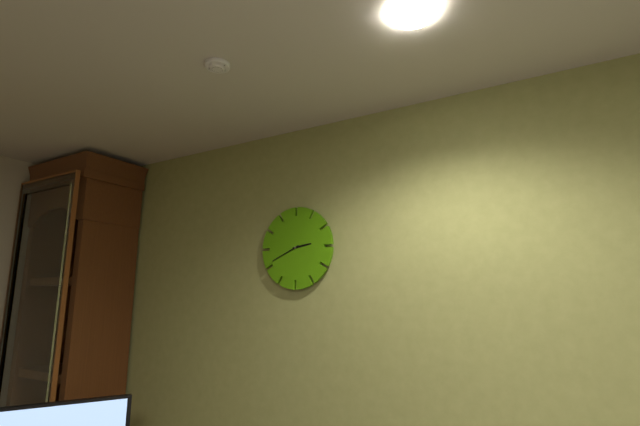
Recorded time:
h=2 m=41
